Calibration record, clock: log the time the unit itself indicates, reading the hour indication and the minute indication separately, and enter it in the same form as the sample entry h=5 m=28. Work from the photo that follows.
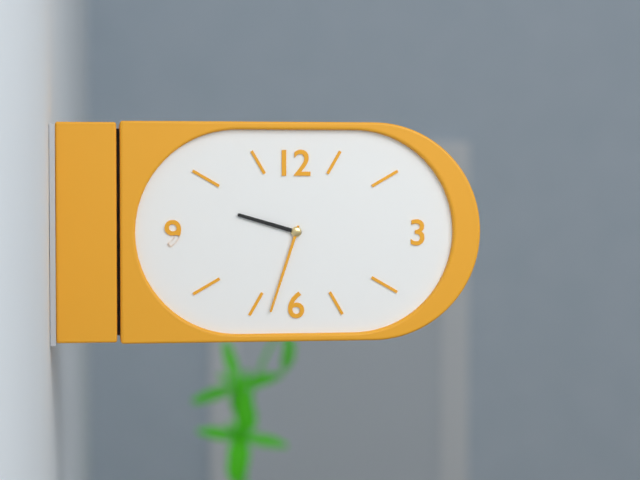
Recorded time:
h=9 m=33
